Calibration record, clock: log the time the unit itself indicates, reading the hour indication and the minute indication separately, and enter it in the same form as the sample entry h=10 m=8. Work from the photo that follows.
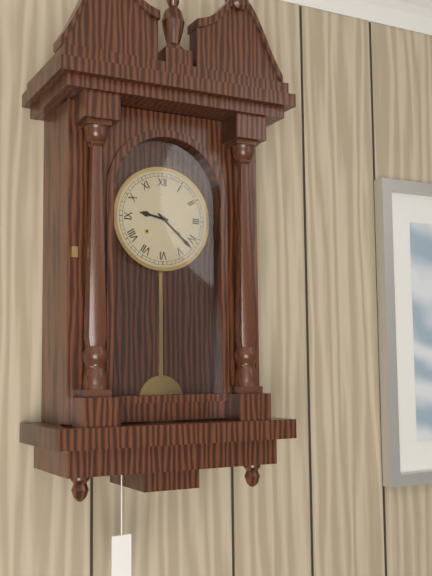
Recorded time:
h=9 m=22
